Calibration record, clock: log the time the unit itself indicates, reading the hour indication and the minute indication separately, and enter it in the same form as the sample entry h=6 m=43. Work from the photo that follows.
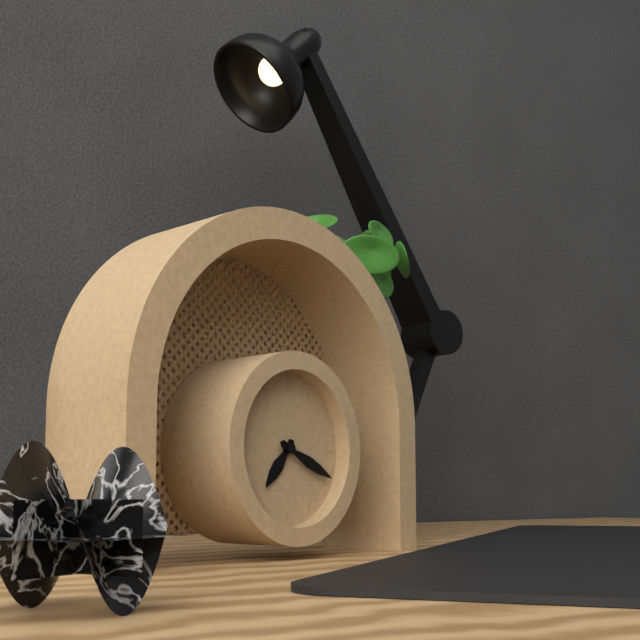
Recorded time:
h=7 m=19
